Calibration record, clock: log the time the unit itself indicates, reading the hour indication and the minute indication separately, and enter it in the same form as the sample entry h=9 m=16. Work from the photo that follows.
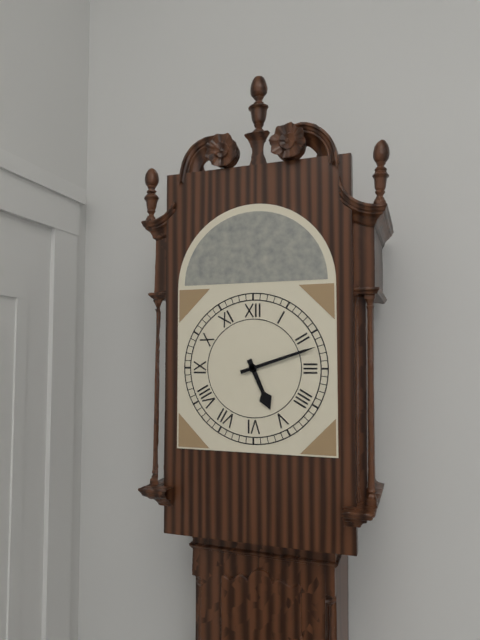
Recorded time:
h=5 m=12
